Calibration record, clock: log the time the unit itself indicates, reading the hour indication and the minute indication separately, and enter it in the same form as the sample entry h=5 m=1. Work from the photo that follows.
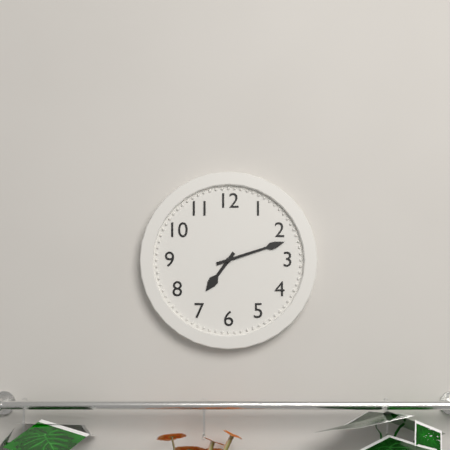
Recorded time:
h=7 m=12
